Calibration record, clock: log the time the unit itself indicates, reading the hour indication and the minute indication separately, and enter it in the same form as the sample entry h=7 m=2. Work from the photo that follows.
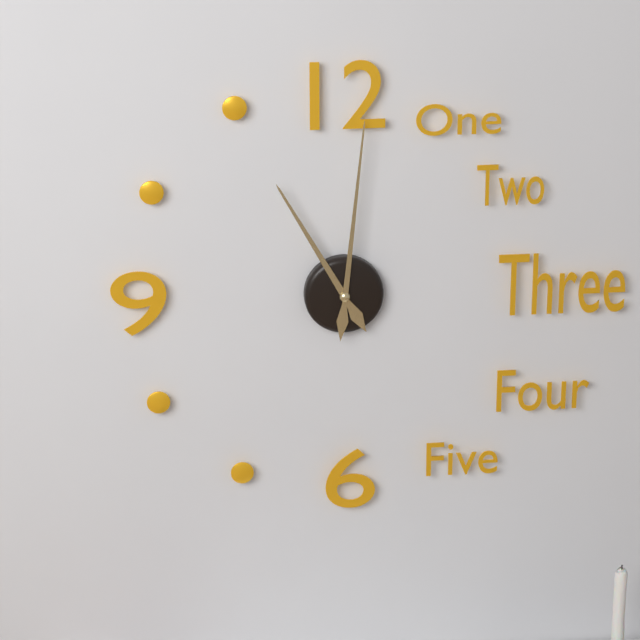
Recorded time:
h=11 m=1
